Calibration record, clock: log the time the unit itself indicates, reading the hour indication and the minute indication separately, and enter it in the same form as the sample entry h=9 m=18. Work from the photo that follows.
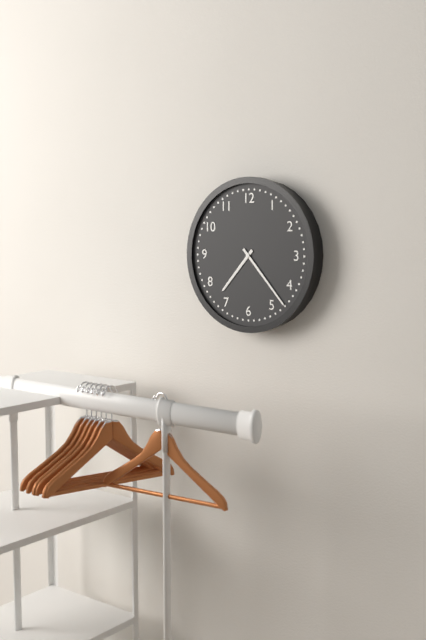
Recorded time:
h=7 m=23
